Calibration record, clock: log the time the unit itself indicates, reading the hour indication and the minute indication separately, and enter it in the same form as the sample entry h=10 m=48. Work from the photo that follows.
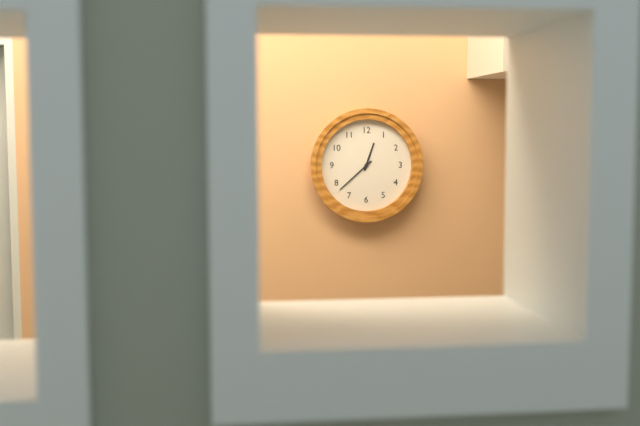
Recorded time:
h=12 m=38
